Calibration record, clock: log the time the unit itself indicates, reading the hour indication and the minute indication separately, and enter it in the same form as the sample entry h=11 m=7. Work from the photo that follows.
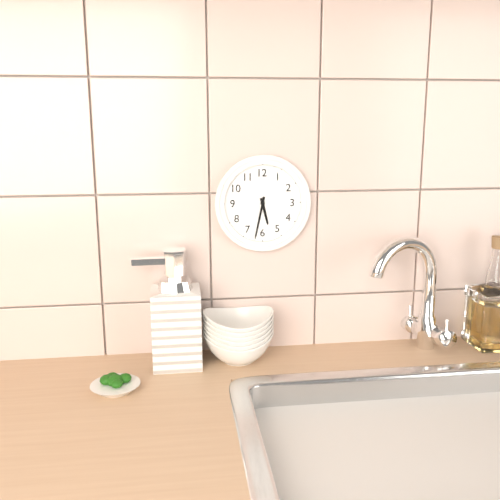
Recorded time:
h=5 m=32
